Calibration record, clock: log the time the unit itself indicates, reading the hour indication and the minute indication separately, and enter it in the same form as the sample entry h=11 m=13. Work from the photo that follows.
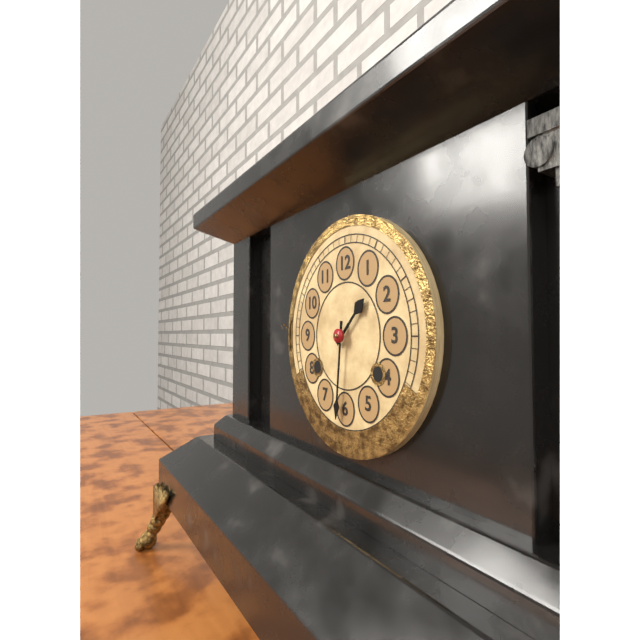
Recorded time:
h=1 m=31
